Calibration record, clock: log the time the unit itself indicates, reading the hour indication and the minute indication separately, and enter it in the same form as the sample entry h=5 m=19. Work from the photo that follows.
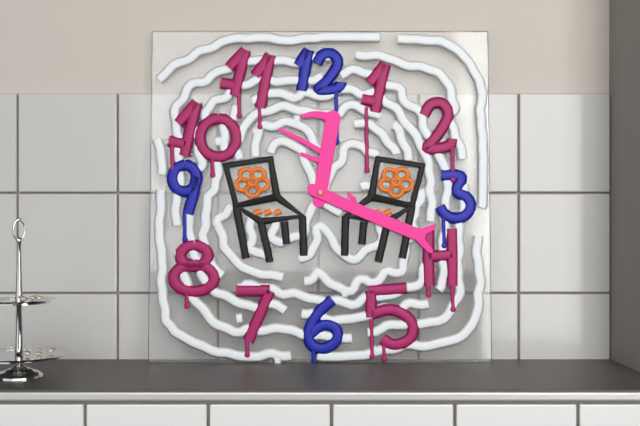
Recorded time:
h=12 m=19
